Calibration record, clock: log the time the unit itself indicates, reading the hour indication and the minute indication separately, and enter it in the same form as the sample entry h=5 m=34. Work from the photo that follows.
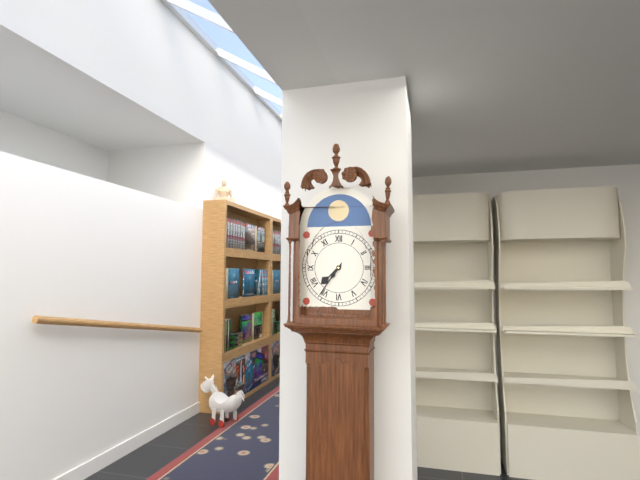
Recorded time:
h=7 m=36
